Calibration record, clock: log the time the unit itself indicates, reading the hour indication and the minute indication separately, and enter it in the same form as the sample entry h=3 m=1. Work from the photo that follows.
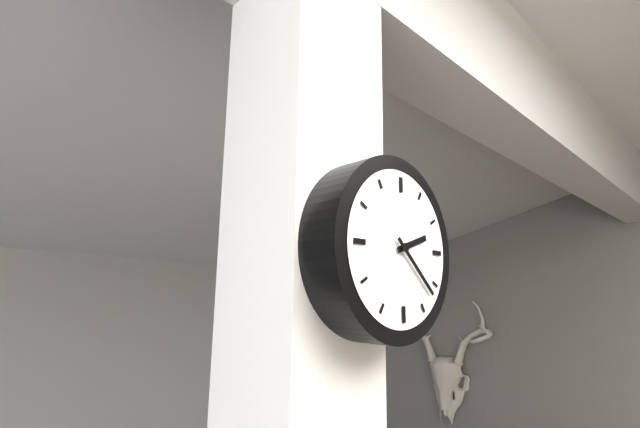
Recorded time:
h=2 m=22
